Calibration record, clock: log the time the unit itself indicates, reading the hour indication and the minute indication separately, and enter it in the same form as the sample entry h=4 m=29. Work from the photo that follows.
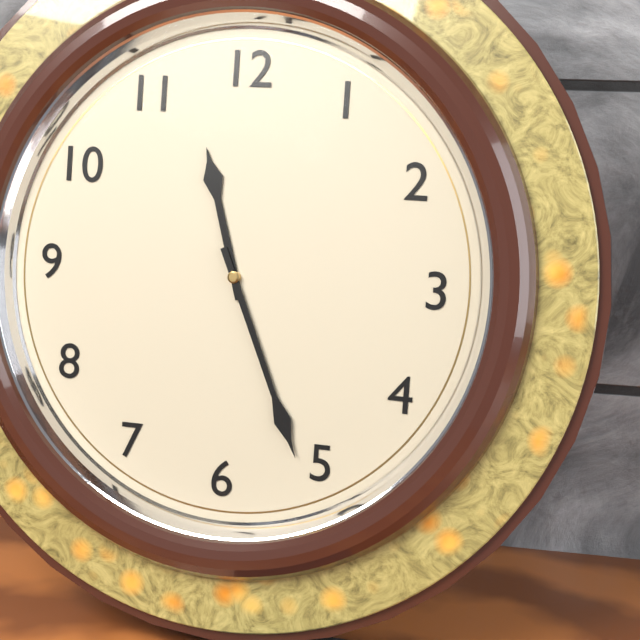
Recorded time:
h=11 m=26
